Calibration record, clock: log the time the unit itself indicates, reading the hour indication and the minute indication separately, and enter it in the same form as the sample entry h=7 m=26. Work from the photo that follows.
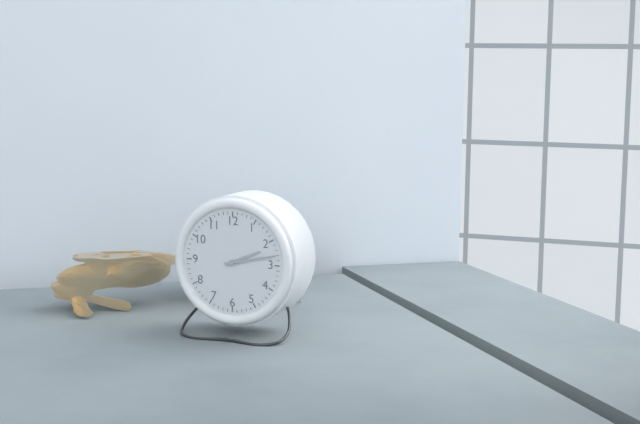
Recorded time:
h=2 m=13
